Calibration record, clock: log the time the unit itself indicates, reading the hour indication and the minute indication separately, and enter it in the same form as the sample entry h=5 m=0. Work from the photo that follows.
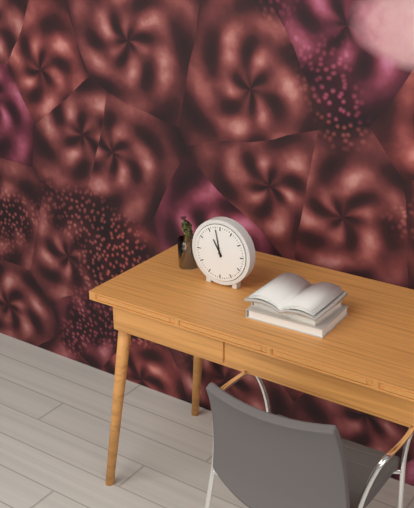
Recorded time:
h=10 m=58
